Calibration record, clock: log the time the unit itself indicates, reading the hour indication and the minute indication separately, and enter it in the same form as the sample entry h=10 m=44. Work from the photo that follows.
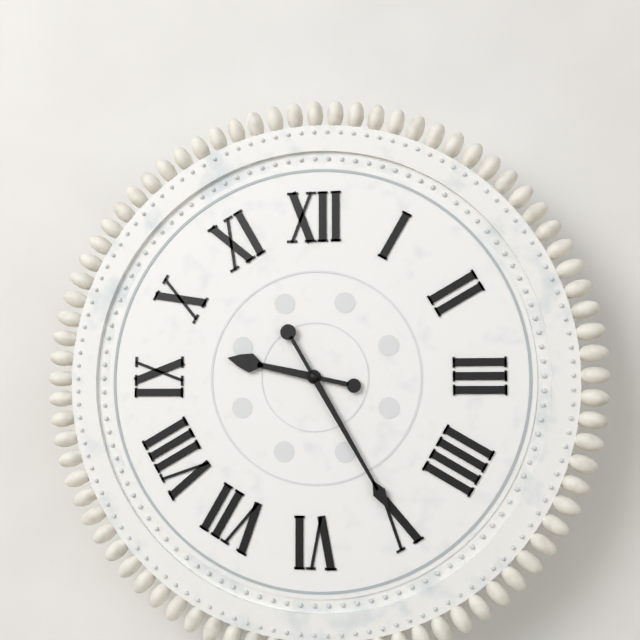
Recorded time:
h=9 m=25
